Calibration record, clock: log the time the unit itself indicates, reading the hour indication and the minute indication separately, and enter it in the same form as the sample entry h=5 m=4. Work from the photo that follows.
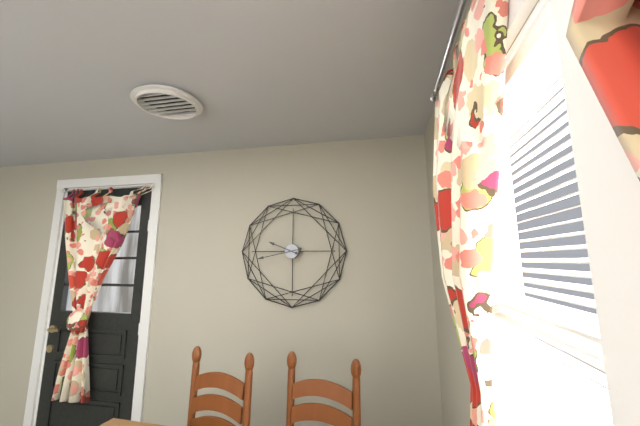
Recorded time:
h=9 m=43
